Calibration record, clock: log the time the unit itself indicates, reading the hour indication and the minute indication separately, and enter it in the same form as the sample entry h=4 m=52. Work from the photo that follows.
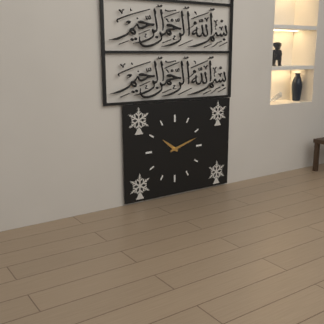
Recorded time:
h=10 m=12
